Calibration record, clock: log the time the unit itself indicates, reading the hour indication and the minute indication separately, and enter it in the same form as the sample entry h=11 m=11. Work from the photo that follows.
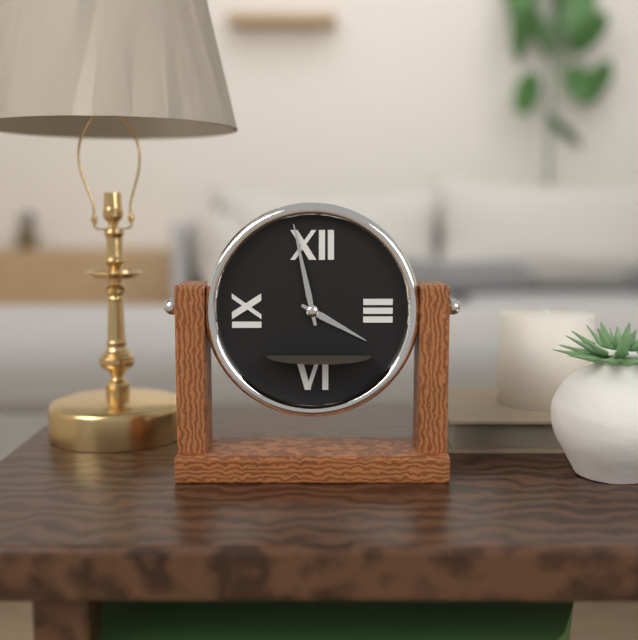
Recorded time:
h=3 m=58
